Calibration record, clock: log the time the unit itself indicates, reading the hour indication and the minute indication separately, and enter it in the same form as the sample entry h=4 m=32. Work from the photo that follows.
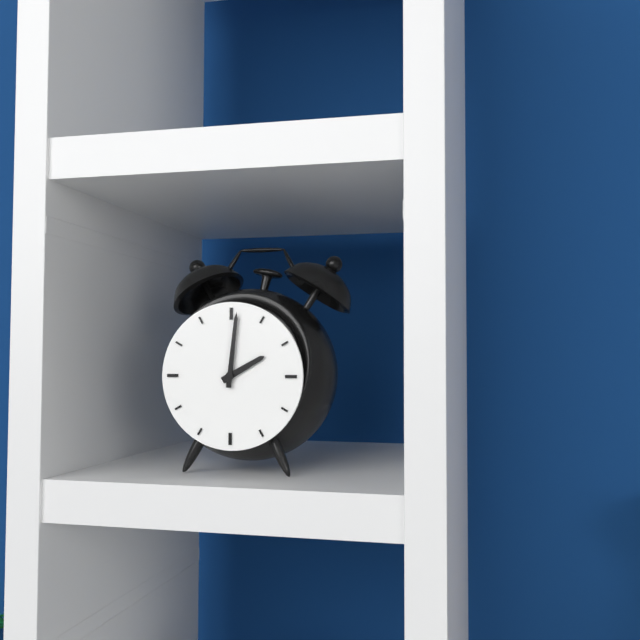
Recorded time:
h=2 m=1
